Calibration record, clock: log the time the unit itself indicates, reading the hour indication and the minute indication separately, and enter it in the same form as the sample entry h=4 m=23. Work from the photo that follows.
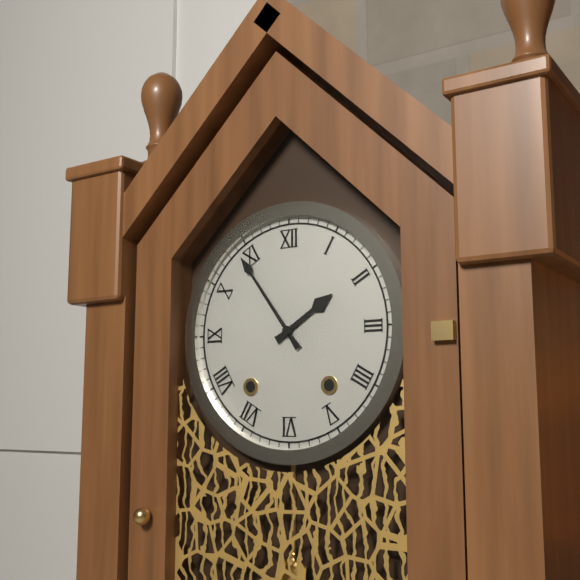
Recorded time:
h=1 m=54
